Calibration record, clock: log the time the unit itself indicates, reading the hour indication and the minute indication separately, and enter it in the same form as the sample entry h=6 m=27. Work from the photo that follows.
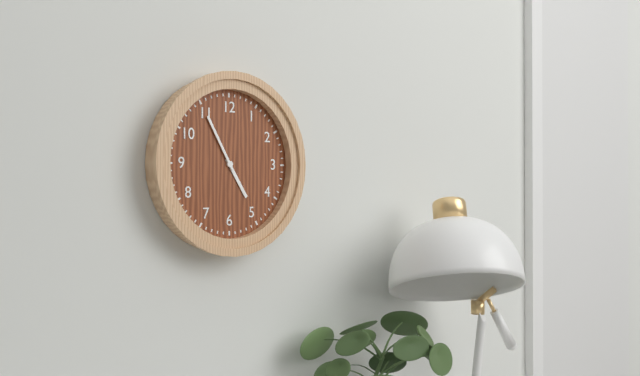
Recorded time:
h=4 m=55
